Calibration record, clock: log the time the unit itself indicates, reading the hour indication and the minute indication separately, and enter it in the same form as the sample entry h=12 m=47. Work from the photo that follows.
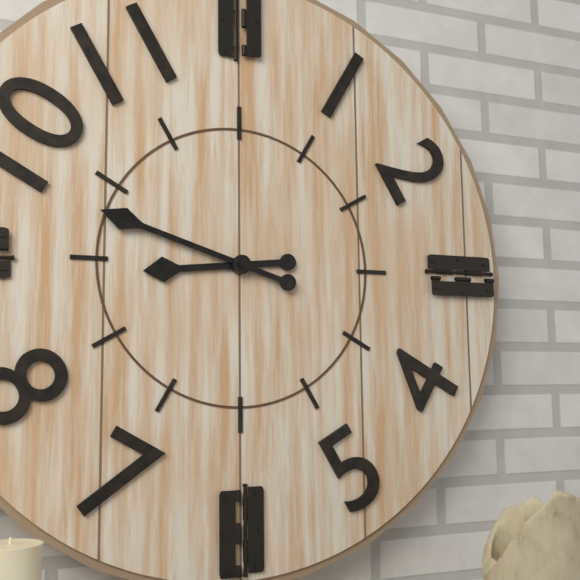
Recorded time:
h=8 m=48
